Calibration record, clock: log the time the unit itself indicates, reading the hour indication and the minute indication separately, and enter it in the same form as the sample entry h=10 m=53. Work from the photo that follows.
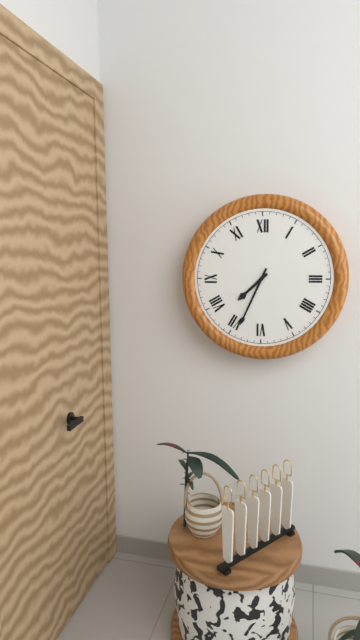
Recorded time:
h=7 m=34
